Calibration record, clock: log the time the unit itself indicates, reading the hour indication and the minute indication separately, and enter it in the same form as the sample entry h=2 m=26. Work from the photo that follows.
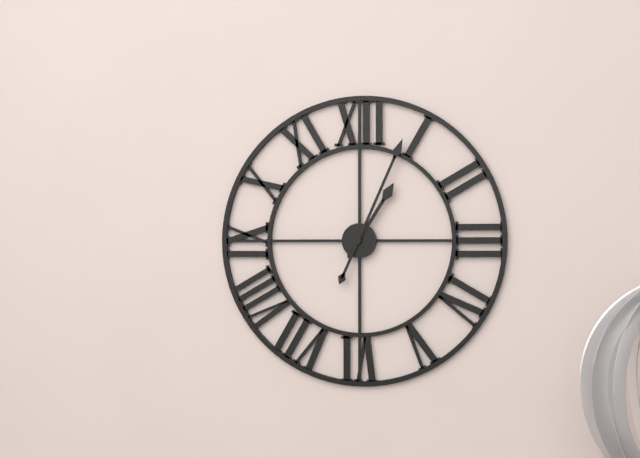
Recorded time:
h=1 m=4
